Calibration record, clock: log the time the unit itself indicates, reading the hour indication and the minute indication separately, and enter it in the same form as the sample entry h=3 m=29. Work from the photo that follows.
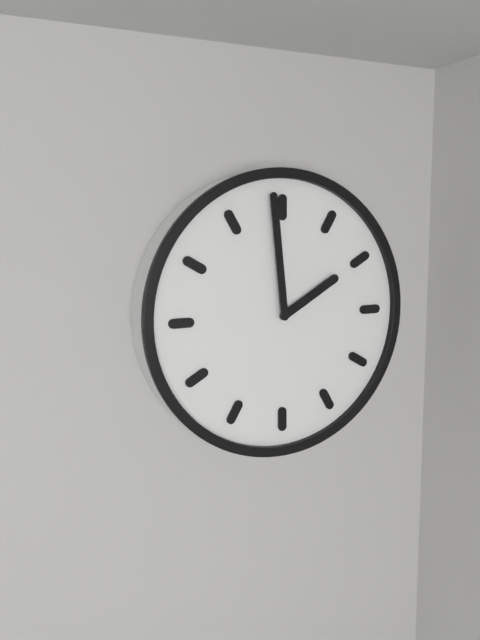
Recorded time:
h=1 m=59
